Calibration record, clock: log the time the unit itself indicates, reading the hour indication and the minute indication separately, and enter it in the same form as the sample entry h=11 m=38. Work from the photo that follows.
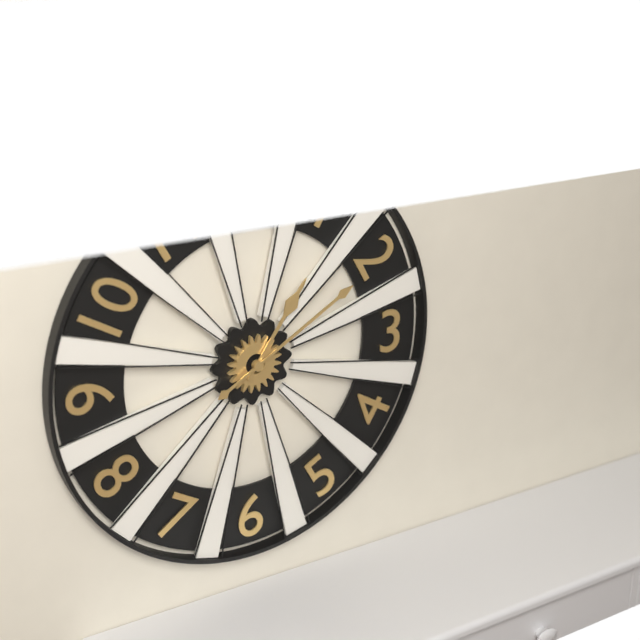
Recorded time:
h=1 m=10
